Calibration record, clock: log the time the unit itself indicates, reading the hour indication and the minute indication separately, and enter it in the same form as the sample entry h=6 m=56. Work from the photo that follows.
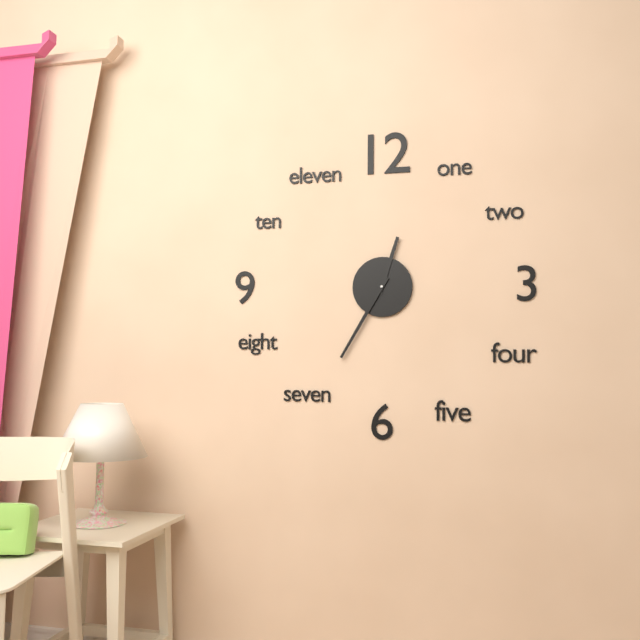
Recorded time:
h=12 m=35
